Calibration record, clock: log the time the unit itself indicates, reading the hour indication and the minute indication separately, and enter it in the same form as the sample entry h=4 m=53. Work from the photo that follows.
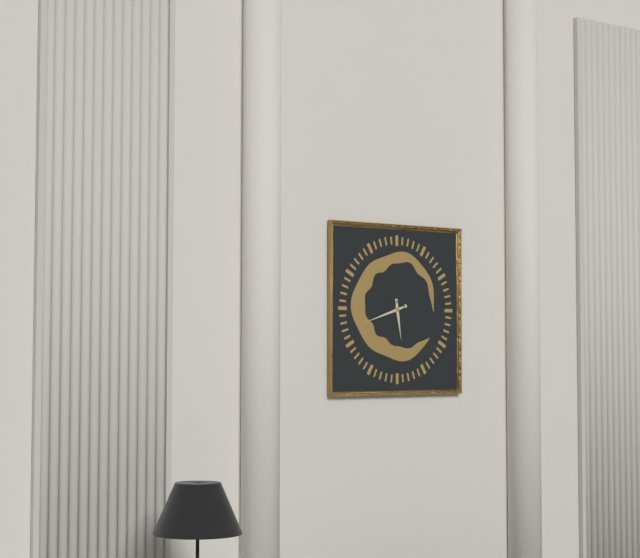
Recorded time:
h=5 m=42
